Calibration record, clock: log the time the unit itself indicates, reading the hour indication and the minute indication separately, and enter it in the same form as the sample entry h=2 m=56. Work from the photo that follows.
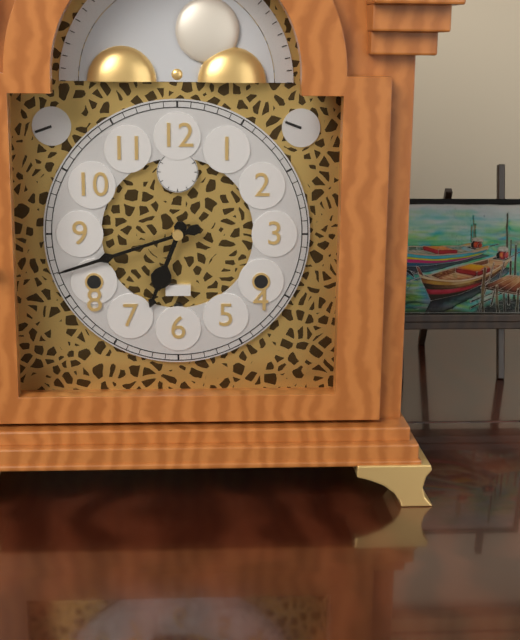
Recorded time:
h=6 m=42
